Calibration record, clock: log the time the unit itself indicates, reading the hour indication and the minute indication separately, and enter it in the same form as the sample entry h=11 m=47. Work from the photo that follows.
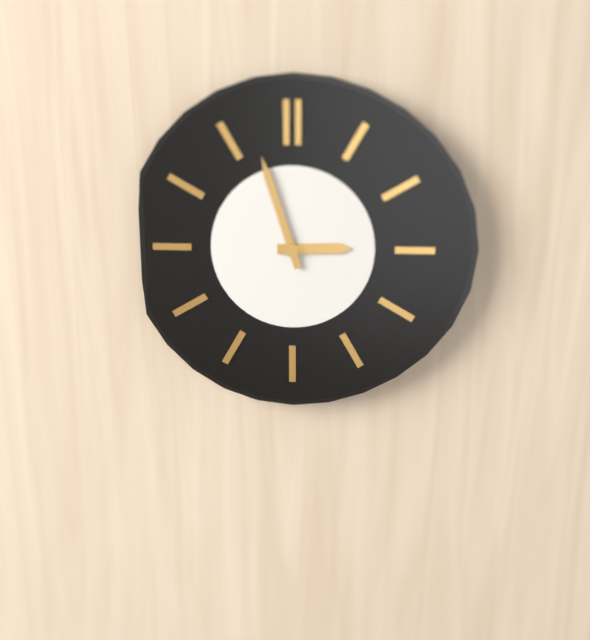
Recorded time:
h=2 m=57
